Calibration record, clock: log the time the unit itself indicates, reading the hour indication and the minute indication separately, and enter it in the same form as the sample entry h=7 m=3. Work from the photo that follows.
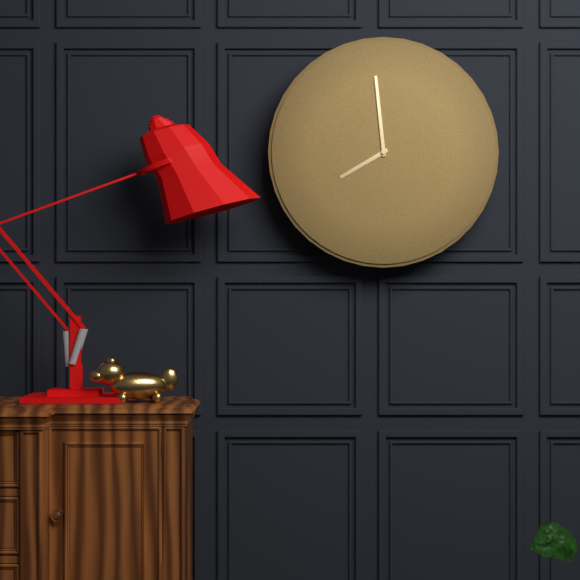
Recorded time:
h=7 m=59
